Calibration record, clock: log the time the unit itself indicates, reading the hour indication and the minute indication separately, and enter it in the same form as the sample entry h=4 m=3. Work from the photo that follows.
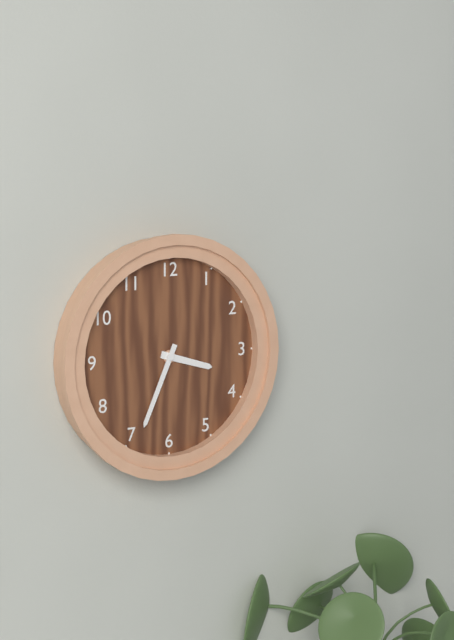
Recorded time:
h=3 m=34
